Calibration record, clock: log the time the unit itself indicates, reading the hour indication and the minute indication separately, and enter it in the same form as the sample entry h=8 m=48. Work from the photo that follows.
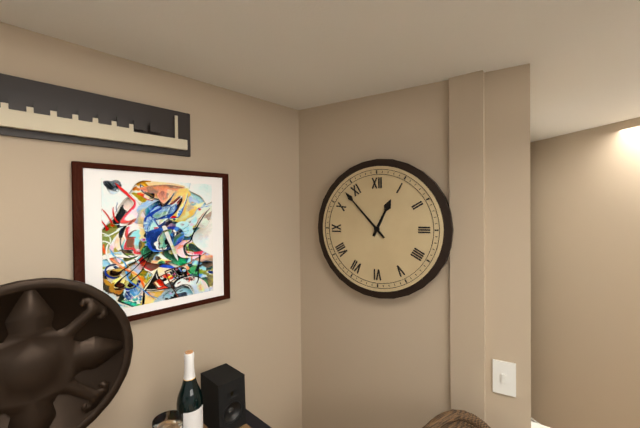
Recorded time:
h=12 m=53
